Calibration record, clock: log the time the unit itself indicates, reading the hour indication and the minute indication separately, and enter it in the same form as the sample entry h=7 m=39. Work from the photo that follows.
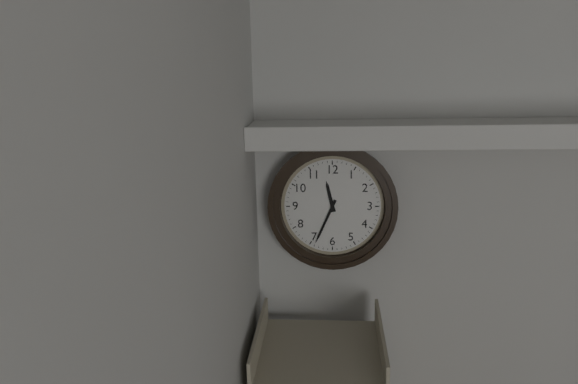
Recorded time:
h=11 m=34
